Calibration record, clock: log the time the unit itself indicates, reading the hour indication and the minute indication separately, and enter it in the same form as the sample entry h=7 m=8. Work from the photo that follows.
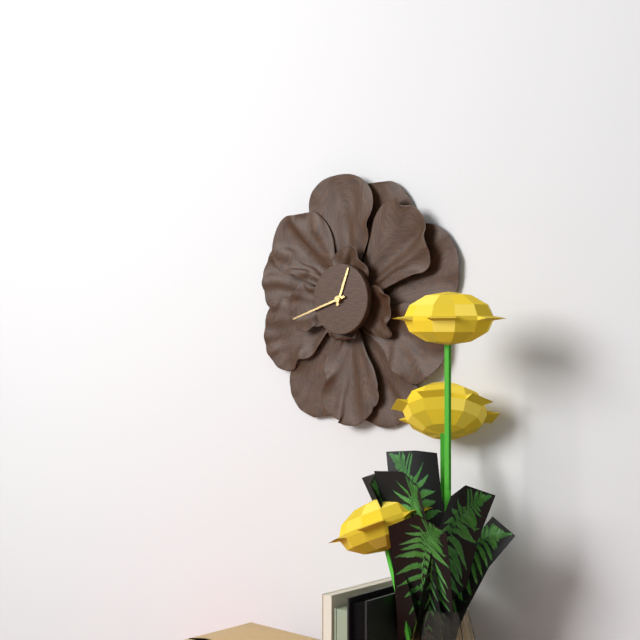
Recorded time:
h=12 m=42
